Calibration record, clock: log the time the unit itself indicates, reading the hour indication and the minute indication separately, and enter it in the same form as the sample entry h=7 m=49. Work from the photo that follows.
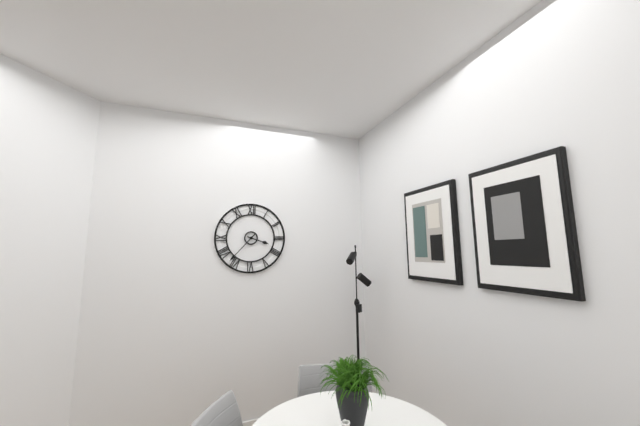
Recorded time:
h=3 m=37
